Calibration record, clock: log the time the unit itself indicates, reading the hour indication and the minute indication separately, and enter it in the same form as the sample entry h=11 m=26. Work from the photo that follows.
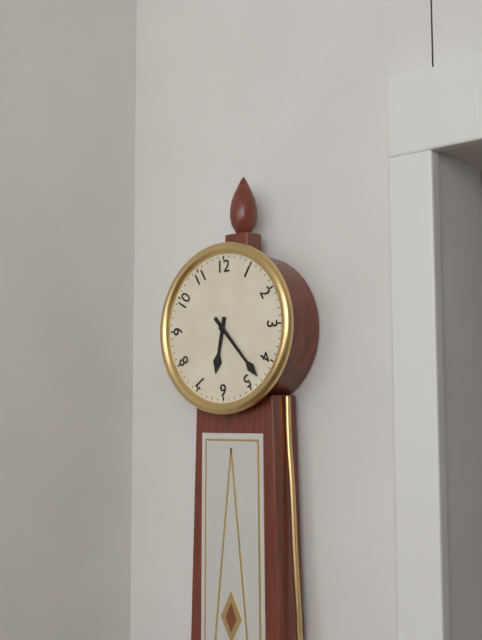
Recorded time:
h=6 m=23
